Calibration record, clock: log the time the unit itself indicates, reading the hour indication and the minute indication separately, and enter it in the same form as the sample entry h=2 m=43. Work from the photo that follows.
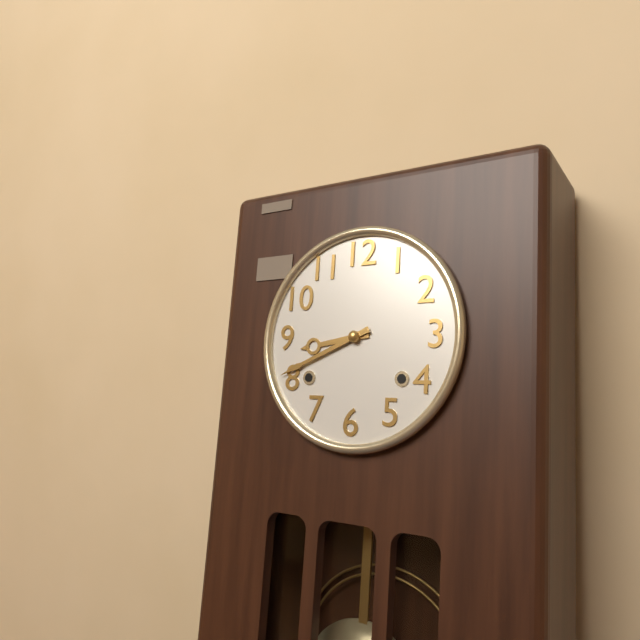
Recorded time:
h=8 m=41
